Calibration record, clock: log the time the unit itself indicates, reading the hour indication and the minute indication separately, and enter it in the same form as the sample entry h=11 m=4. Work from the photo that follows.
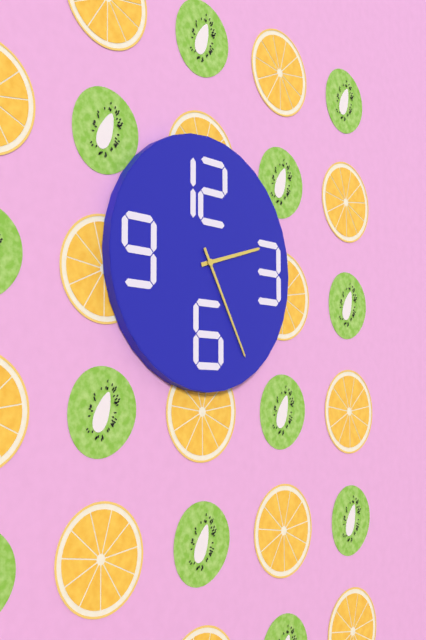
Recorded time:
h=2 m=25
